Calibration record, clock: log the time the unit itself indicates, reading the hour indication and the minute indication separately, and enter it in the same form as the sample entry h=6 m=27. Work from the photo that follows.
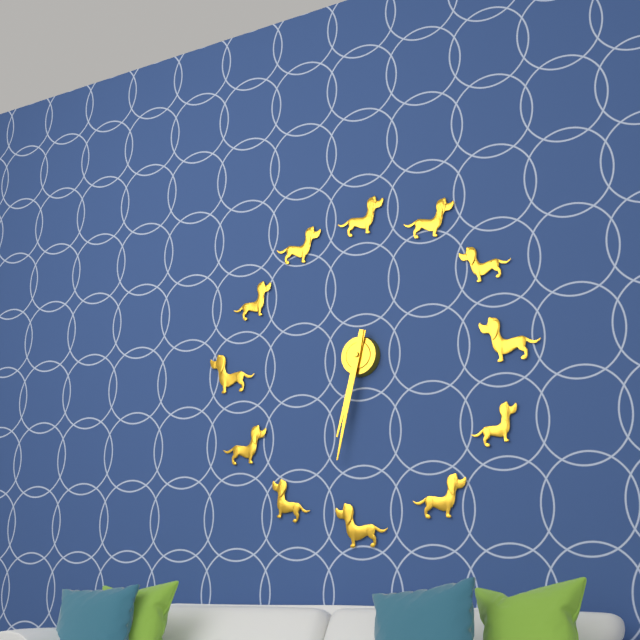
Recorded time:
h=6 m=32
